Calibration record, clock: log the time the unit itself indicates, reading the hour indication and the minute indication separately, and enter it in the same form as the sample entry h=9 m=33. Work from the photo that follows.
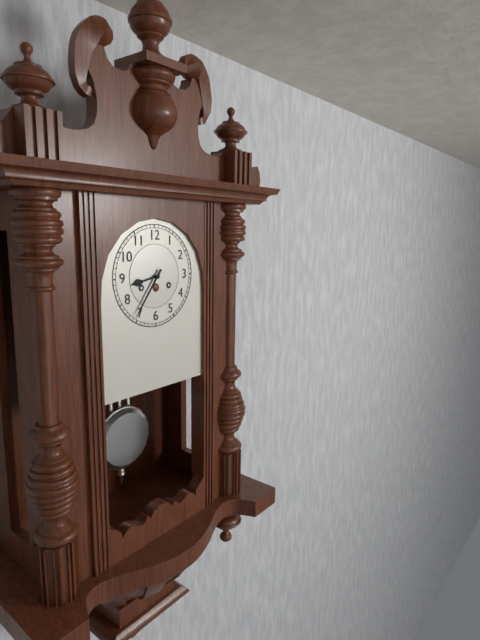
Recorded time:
h=8 m=36
